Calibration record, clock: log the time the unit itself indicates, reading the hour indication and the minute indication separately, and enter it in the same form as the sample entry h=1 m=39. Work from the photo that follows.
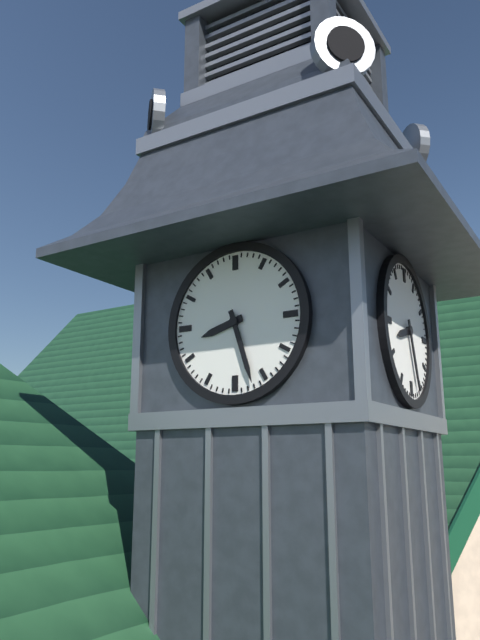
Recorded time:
h=8 m=27
